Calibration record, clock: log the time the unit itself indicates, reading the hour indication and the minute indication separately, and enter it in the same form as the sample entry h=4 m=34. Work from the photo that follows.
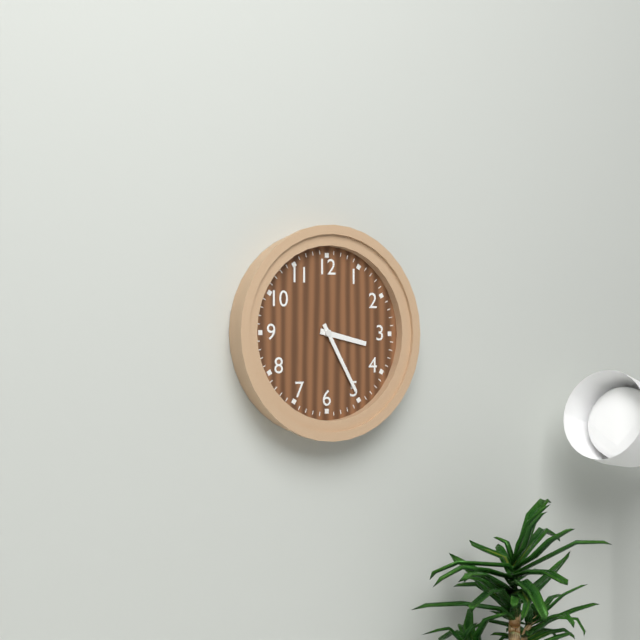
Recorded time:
h=3 m=25
